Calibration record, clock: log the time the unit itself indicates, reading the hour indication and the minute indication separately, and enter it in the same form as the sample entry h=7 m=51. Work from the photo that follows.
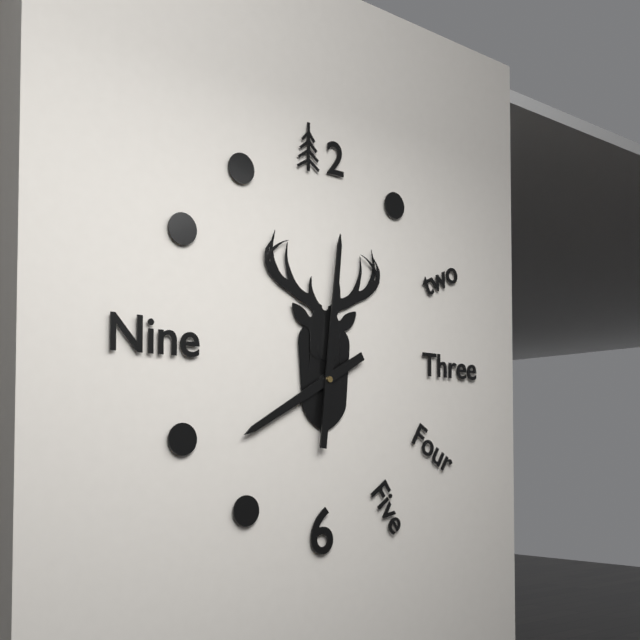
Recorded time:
h=8 m=1
